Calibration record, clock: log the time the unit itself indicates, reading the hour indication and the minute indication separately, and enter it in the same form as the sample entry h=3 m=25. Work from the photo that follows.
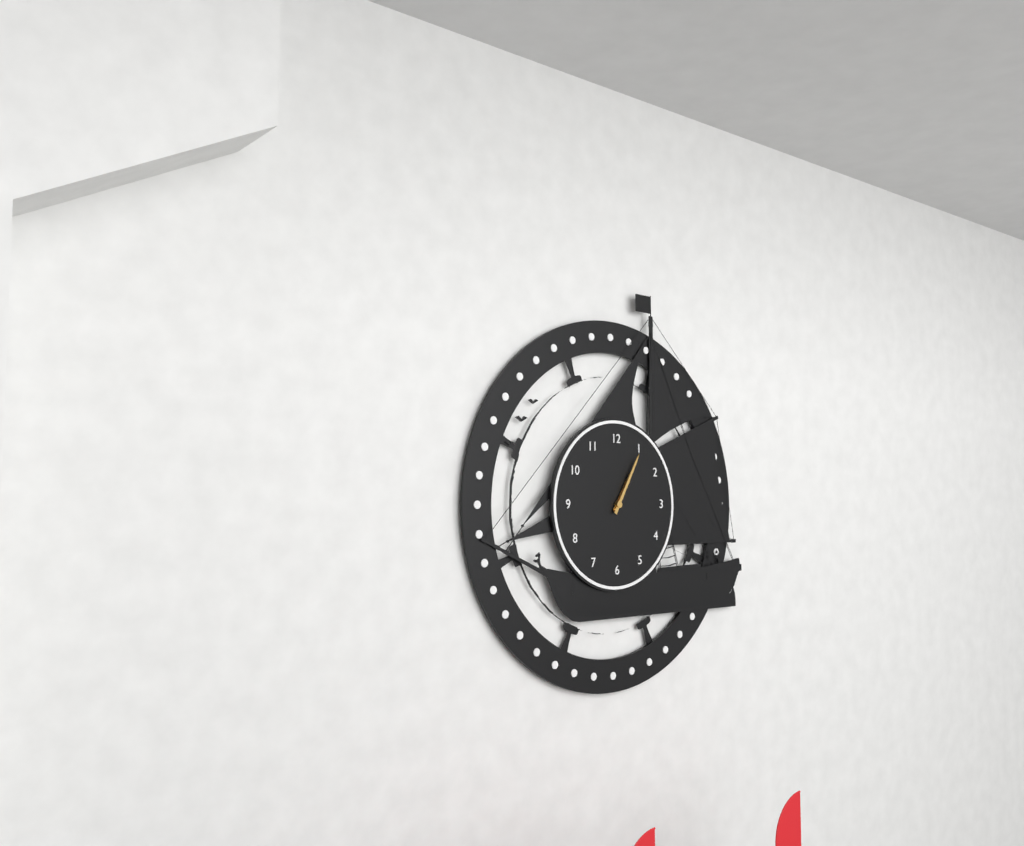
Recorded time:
h=1 m=5
